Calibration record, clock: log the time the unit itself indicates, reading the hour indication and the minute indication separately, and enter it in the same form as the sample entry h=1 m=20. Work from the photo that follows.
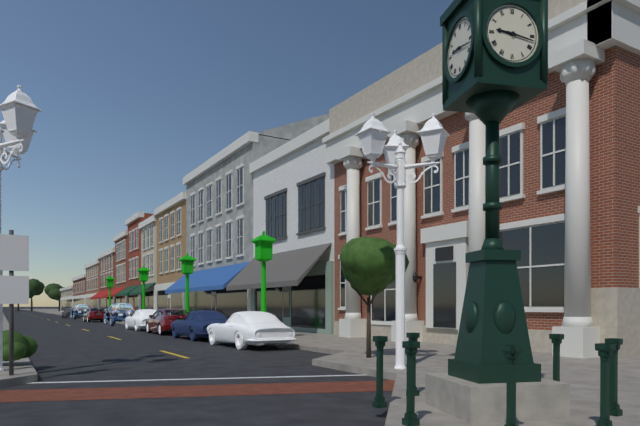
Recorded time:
h=9 m=17
